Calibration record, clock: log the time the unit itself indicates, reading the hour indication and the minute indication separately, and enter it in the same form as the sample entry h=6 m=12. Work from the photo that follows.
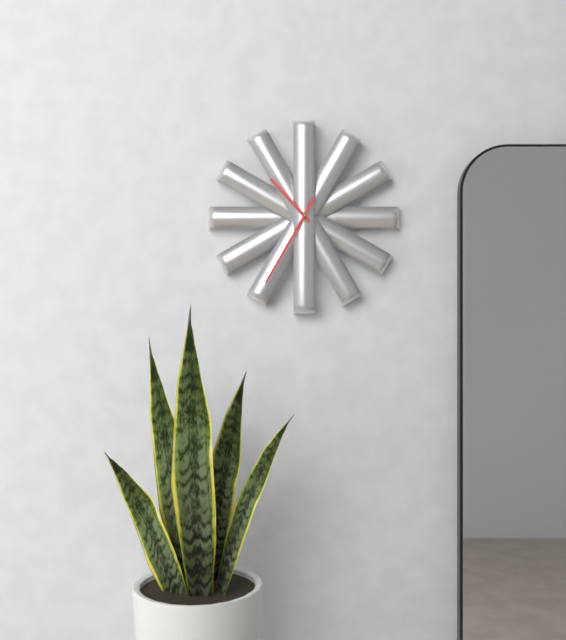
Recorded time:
h=10 m=35
